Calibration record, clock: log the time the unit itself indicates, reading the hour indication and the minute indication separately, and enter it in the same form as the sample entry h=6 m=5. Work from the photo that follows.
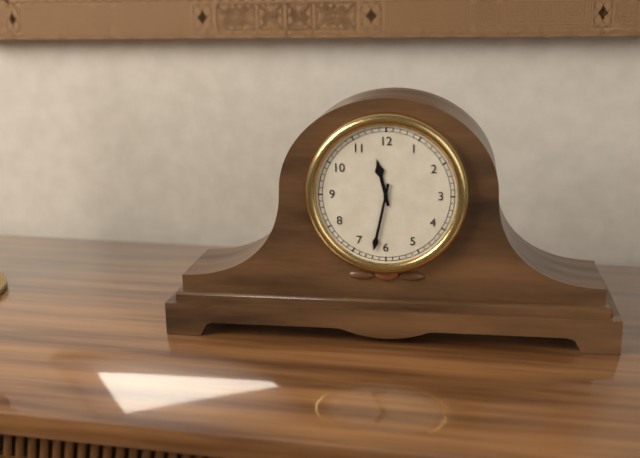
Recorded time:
h=11 m=32
